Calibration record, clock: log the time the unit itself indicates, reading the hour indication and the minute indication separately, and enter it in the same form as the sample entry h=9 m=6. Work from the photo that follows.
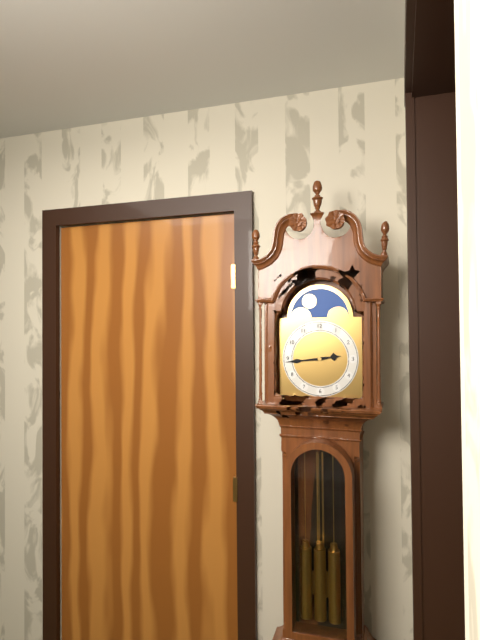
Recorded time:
h=2 m=44
